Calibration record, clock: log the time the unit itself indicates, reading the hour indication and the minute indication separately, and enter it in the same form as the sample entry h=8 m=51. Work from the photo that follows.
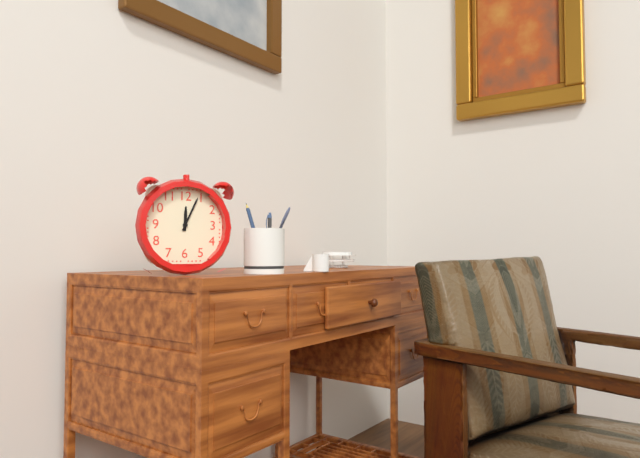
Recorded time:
h=12 m=4
